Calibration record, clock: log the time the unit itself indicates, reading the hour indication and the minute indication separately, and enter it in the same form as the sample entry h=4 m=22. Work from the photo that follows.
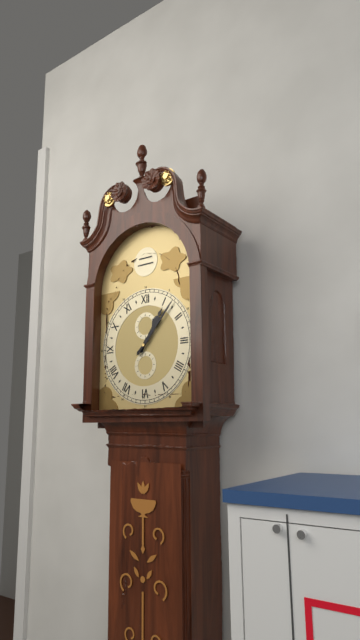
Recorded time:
h=1 m=7
